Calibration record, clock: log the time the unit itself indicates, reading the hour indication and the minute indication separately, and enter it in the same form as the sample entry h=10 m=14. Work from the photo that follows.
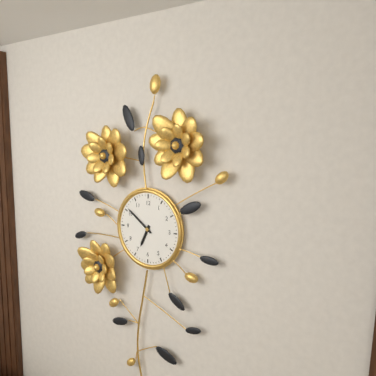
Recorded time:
h=6 m=51
